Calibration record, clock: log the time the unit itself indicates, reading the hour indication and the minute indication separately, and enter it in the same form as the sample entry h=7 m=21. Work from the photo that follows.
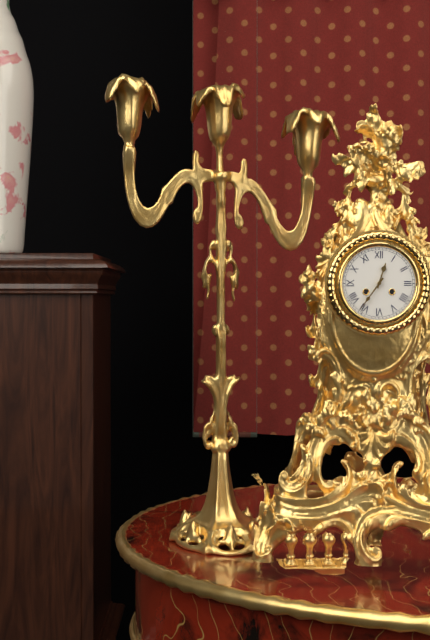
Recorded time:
h=12 m=36
